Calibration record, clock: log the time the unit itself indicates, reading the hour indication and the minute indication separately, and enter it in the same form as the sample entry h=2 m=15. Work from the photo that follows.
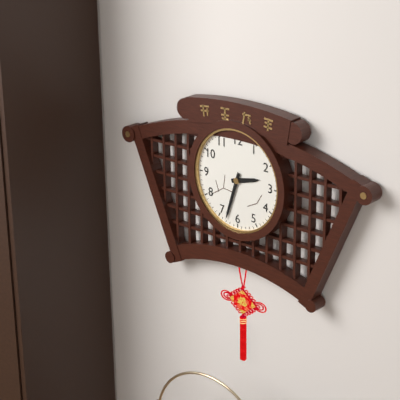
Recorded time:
h=2 m=33
